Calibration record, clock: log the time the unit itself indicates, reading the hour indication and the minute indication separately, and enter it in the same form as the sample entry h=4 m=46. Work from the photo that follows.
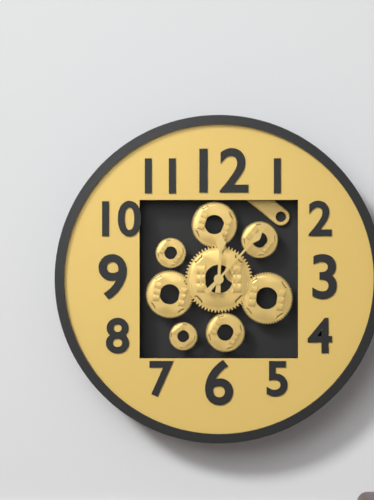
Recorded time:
h=12 m=7
